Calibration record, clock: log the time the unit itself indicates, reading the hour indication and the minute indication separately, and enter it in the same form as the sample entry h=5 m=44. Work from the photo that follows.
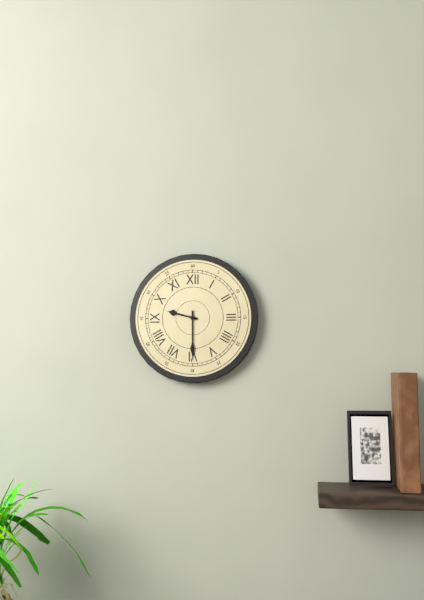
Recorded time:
h=9 m=30
